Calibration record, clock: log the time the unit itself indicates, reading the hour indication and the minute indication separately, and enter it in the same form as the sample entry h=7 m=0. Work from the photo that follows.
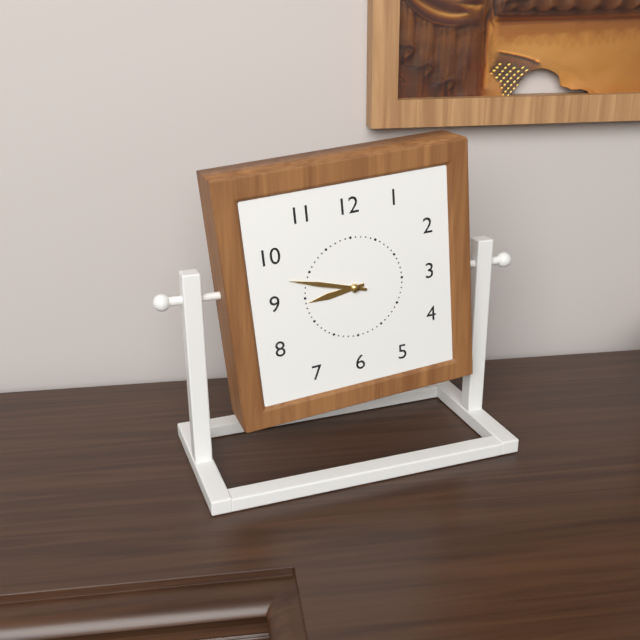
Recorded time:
h=8 m=48
